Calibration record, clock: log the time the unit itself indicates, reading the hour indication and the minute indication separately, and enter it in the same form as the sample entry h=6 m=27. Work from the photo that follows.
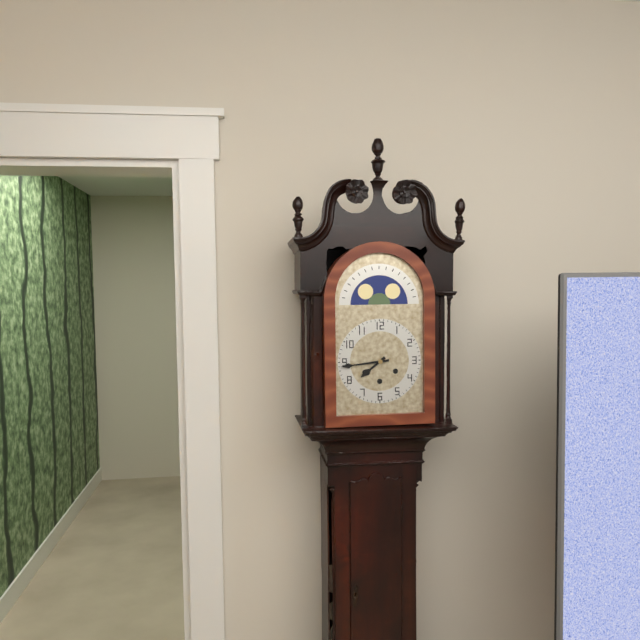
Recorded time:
h=7 m=44
